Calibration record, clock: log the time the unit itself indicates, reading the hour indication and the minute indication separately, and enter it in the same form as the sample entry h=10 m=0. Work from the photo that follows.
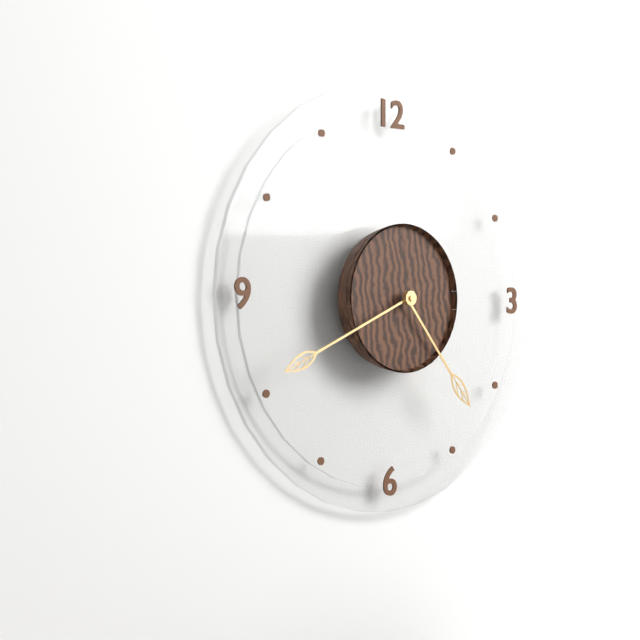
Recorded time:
h=4 m=41
